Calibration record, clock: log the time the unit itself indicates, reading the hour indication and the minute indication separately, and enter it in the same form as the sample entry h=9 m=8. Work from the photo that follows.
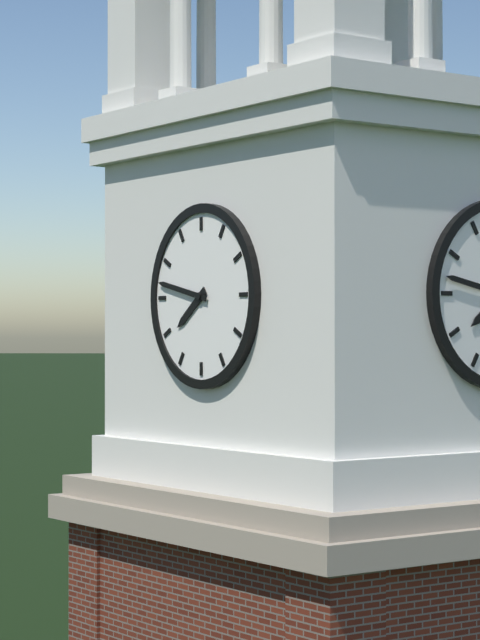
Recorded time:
h=7 m=47
